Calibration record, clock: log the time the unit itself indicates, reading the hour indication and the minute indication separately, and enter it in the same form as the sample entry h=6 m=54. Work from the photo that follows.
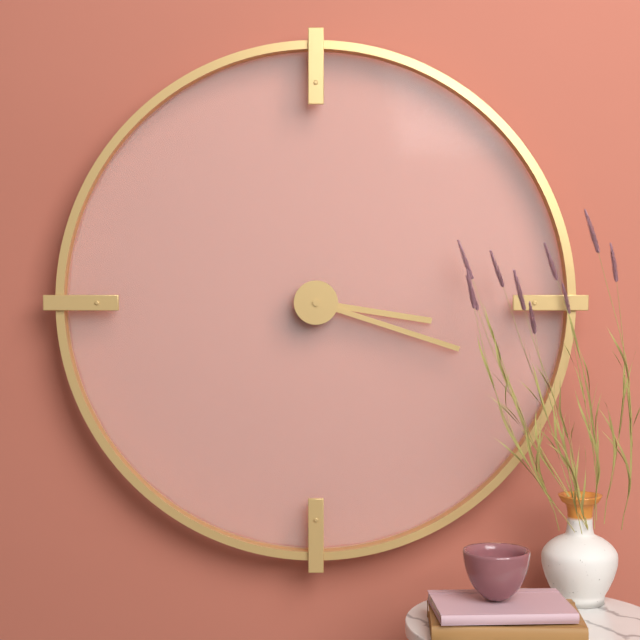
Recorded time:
h=3 m=18
